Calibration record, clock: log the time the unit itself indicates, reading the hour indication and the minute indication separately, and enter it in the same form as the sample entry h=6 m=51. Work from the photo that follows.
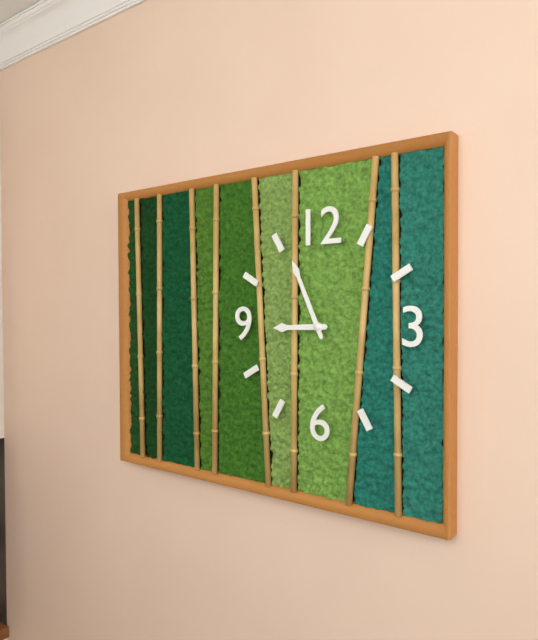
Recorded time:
h=8 m=56
